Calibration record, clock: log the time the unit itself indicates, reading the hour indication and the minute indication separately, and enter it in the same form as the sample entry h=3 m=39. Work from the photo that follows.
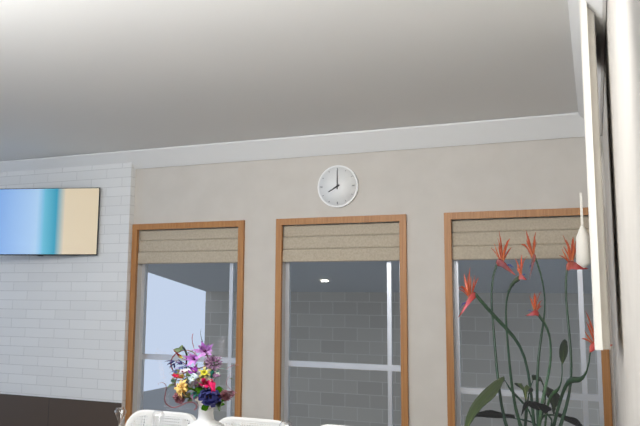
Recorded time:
h=8 m=0
